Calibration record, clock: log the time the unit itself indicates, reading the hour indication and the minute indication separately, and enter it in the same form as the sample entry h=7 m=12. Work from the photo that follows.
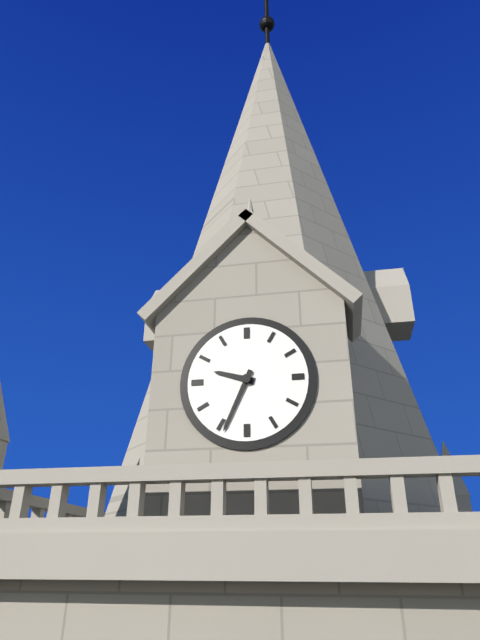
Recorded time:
h=9 m=34
